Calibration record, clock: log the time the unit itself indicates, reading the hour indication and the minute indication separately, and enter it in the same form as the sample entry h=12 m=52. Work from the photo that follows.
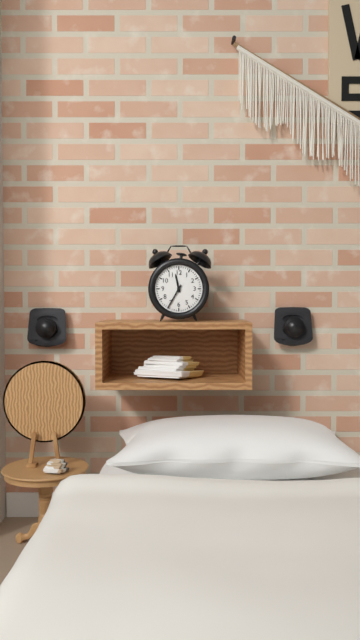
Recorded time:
h=11 m=35
